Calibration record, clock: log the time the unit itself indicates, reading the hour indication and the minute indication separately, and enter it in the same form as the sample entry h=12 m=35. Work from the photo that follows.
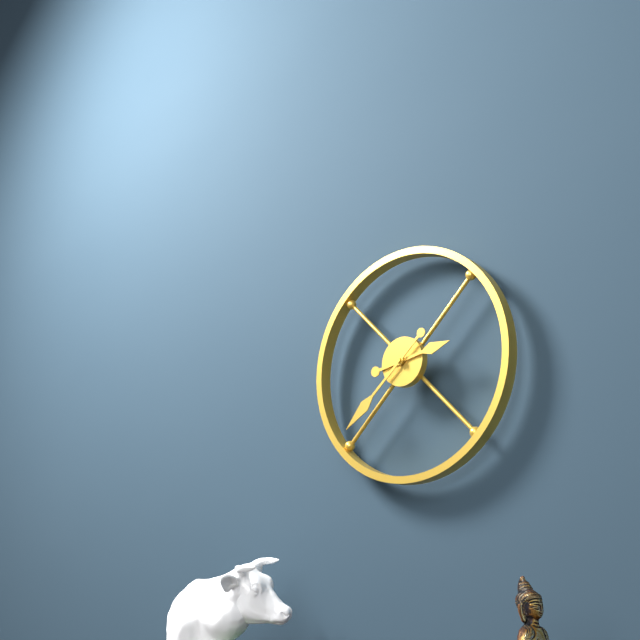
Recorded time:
h=2 m=38
